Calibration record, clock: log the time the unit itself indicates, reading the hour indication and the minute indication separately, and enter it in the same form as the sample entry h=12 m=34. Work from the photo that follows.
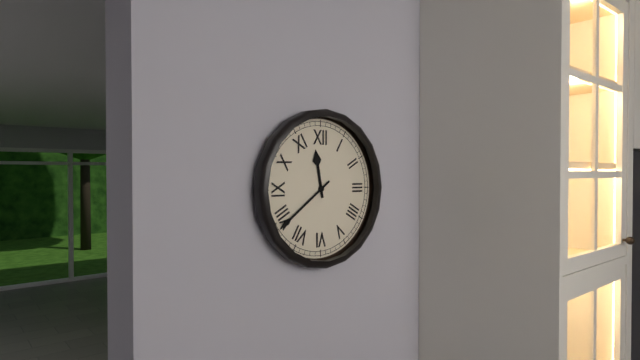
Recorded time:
h=11 m=39
